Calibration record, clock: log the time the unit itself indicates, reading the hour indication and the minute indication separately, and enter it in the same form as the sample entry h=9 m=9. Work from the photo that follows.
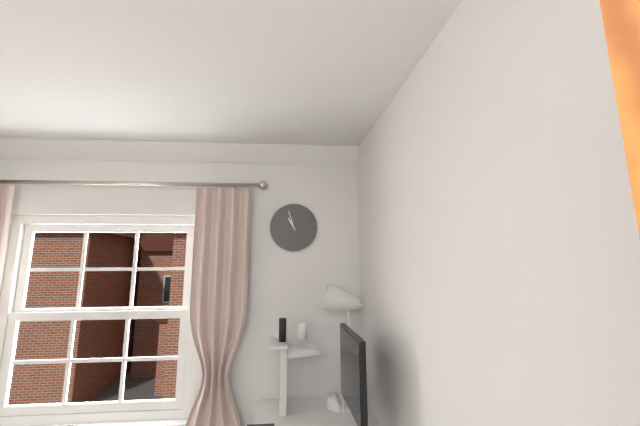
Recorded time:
h=10 m=57
